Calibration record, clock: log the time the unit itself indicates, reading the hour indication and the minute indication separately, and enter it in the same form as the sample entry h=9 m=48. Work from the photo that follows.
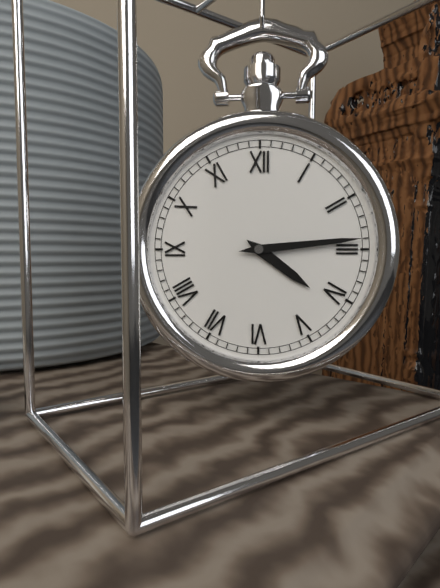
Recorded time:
h=4 m=14
